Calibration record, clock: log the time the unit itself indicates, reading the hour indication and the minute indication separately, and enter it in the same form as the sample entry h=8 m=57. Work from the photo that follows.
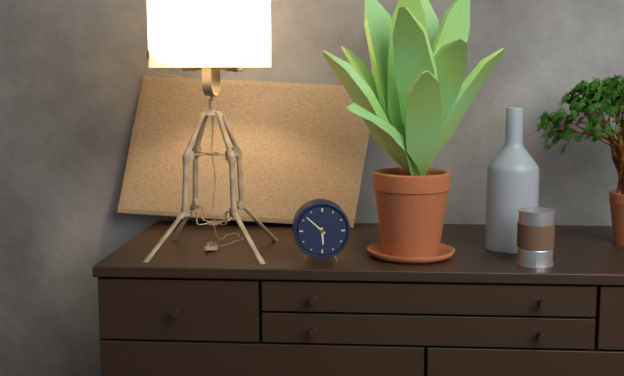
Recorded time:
h=5 m=52
